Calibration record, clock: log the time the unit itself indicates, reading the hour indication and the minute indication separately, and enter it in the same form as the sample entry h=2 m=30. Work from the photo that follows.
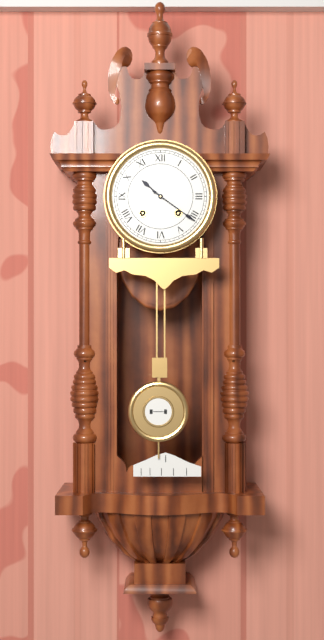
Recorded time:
h=10 m=21
